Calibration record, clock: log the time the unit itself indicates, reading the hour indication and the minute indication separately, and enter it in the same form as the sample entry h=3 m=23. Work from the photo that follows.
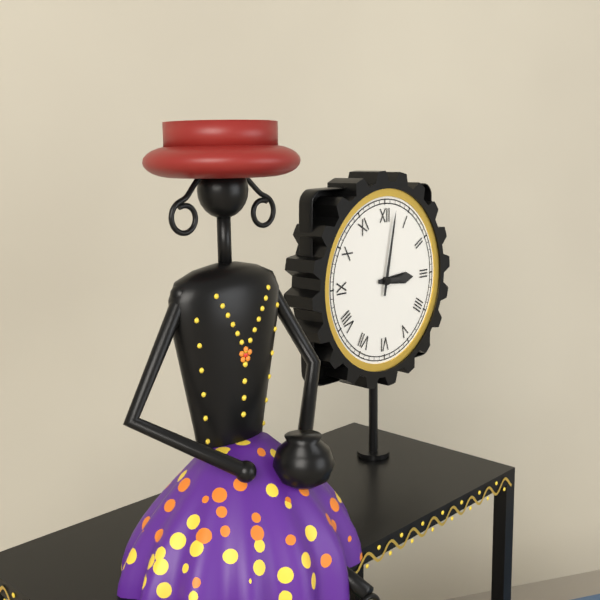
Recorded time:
h=3 m=2
